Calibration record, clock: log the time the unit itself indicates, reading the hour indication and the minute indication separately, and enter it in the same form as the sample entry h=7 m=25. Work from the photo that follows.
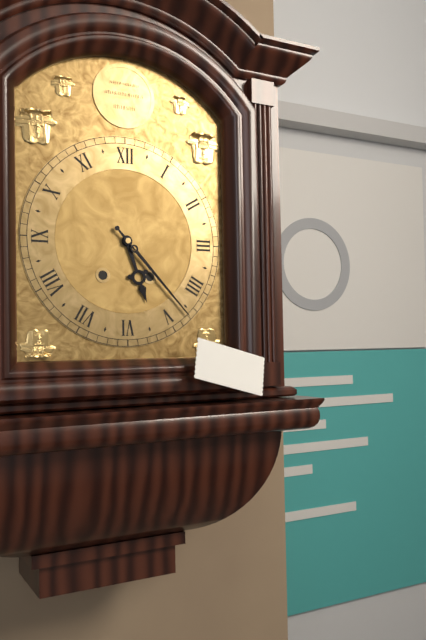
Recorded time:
h=5 m=23
